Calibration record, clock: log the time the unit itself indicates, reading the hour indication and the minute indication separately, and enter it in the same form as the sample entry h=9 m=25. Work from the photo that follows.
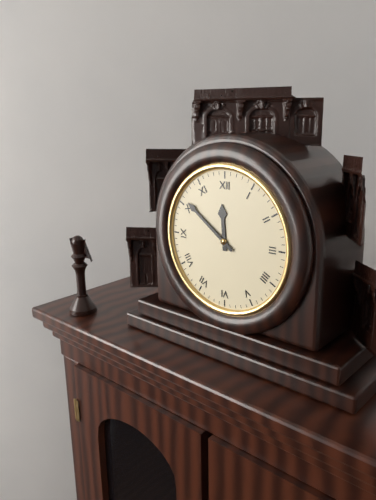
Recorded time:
h=11 m=51
